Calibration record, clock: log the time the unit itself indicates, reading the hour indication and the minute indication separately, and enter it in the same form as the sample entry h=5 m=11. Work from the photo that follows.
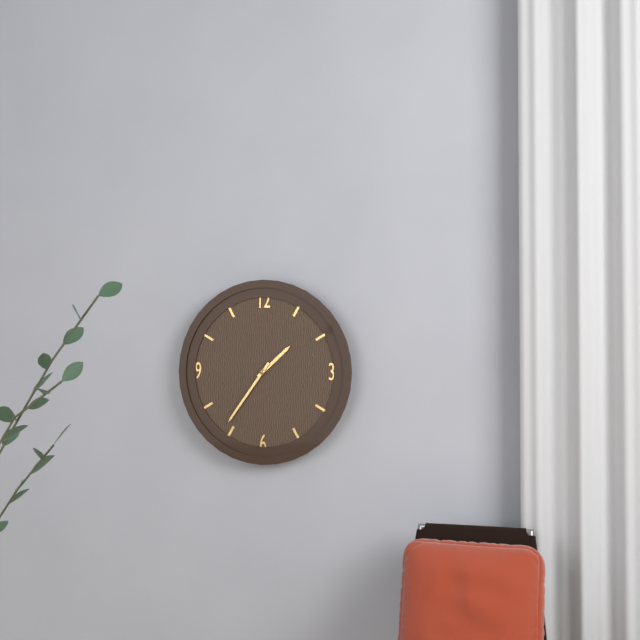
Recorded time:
h=1 m=36
